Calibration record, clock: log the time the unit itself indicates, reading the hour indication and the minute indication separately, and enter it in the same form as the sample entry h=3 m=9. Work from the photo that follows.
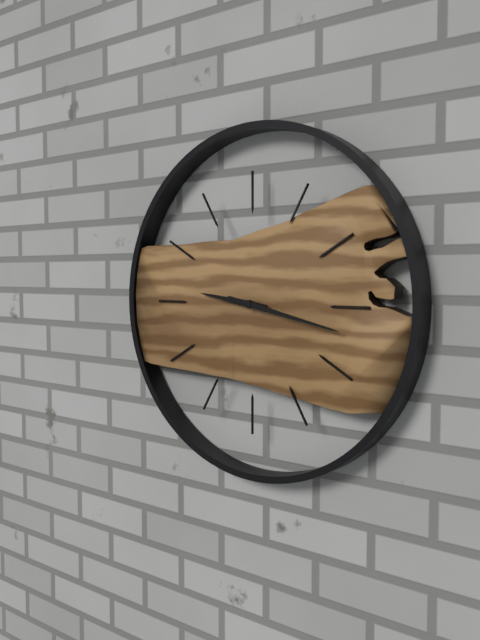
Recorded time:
h=9 m=17
